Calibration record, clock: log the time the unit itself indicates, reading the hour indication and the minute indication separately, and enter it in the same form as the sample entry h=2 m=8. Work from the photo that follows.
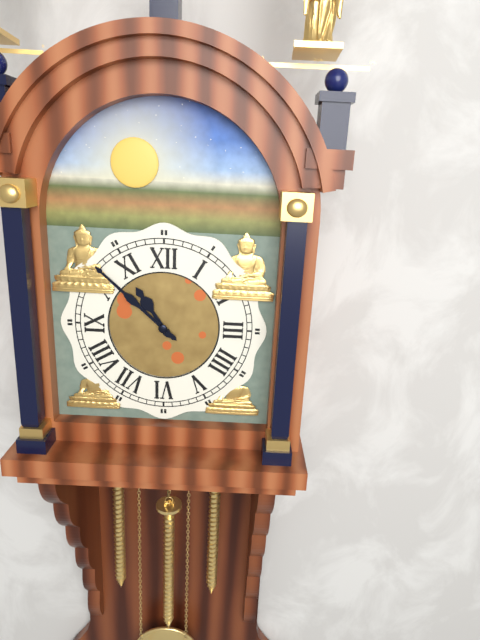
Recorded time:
h=10 m=52
